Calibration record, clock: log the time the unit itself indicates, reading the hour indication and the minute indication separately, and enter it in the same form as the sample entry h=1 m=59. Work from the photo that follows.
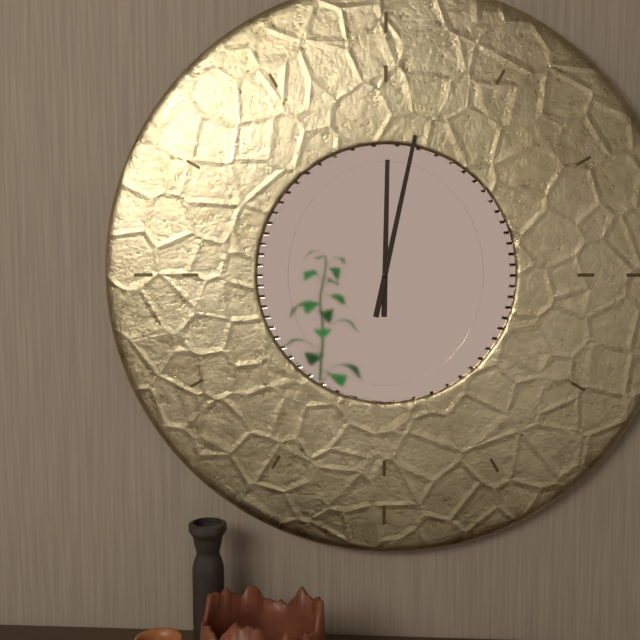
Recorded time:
h=12 m=2
